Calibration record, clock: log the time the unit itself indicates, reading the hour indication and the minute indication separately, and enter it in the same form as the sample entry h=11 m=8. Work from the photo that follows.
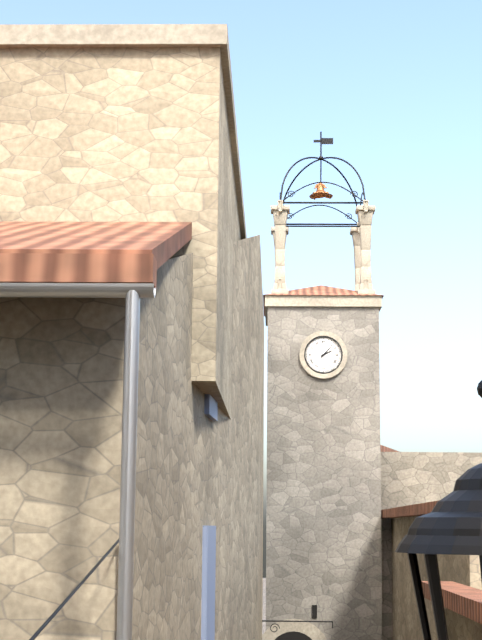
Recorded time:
h=2 m=7
